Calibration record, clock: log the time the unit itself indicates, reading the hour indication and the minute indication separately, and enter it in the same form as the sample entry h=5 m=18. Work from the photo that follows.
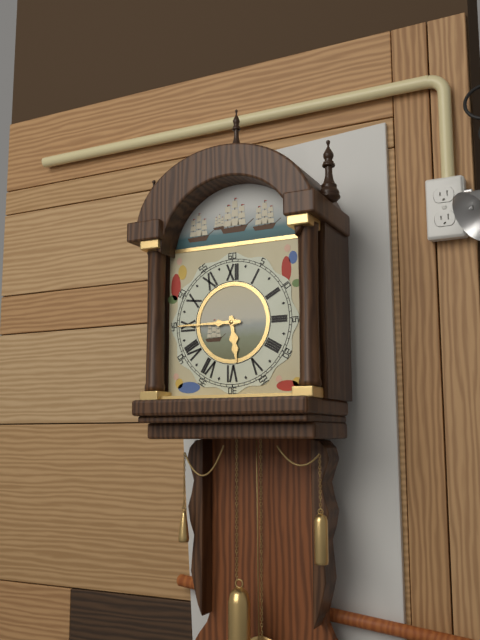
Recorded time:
h=5 m=45
